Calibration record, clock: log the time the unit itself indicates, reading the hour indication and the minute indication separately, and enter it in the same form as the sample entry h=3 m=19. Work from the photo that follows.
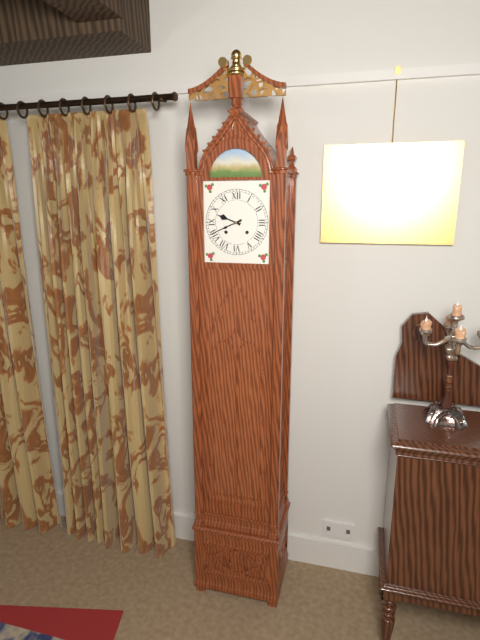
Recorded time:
h=9 m=41
